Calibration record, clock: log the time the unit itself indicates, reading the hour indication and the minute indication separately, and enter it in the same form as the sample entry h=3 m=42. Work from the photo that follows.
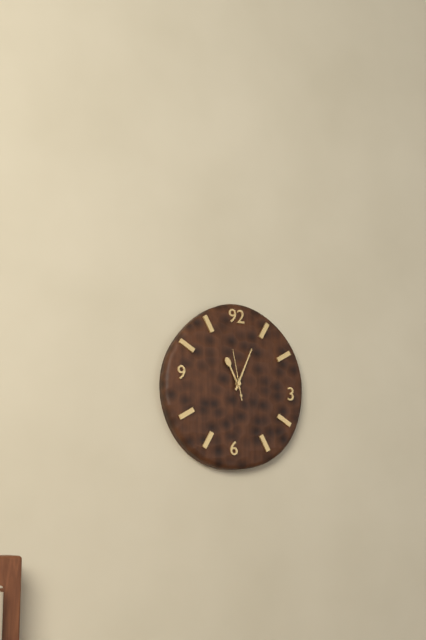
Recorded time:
h=11 m=4
